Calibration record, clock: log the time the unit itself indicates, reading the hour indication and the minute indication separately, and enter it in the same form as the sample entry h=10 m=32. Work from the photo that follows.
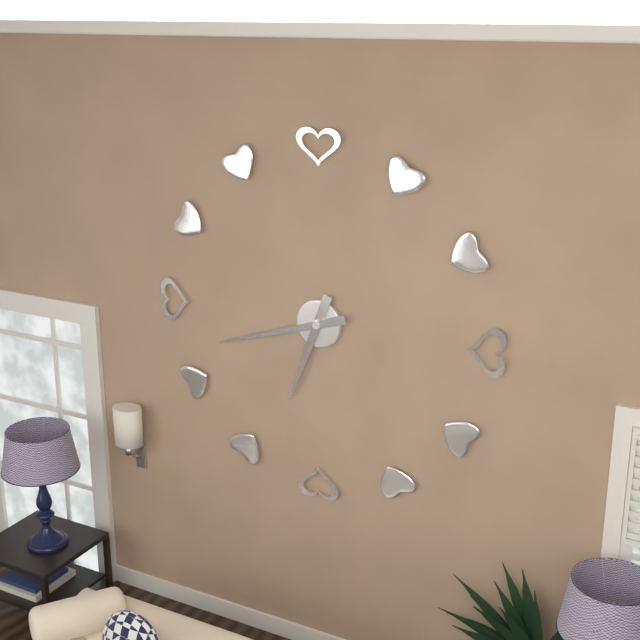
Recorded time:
h=6 m=42
